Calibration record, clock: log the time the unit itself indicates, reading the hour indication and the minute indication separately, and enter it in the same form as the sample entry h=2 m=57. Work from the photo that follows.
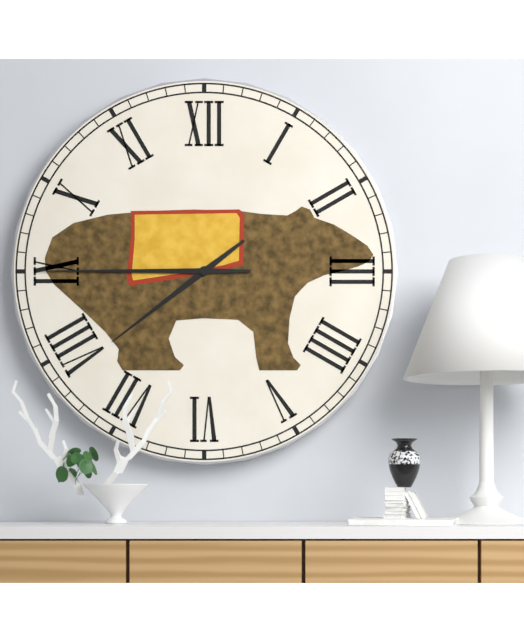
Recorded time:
h=7 m=45
